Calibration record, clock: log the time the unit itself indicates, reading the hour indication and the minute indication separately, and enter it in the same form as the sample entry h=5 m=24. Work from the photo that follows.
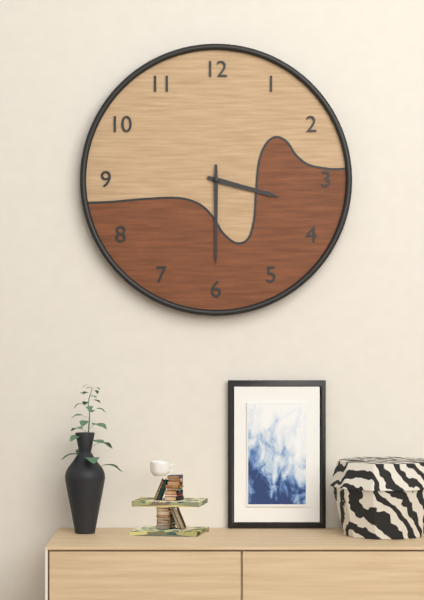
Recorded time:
h=3 m=30
